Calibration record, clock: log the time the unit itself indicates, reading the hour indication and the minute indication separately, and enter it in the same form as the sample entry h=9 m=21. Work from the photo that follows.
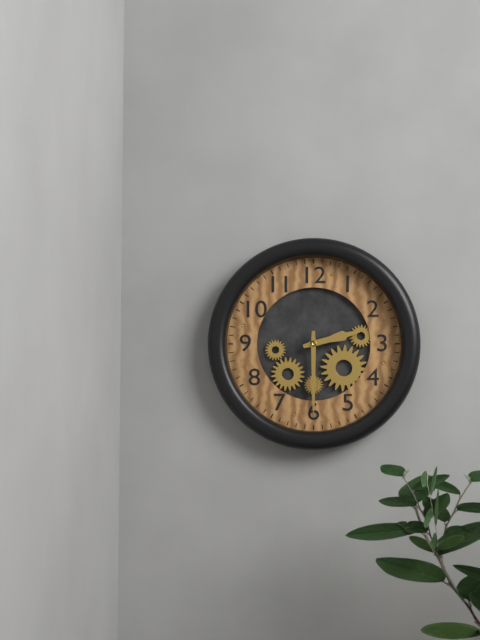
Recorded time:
h=2 m=30
